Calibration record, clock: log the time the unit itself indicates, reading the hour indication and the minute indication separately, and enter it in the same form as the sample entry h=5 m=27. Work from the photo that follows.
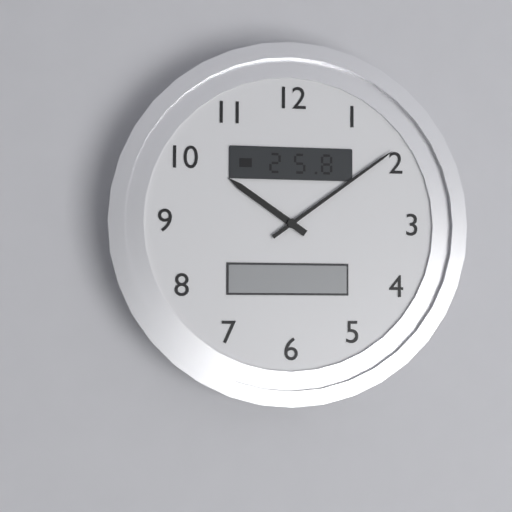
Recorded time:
h=10 m=9
